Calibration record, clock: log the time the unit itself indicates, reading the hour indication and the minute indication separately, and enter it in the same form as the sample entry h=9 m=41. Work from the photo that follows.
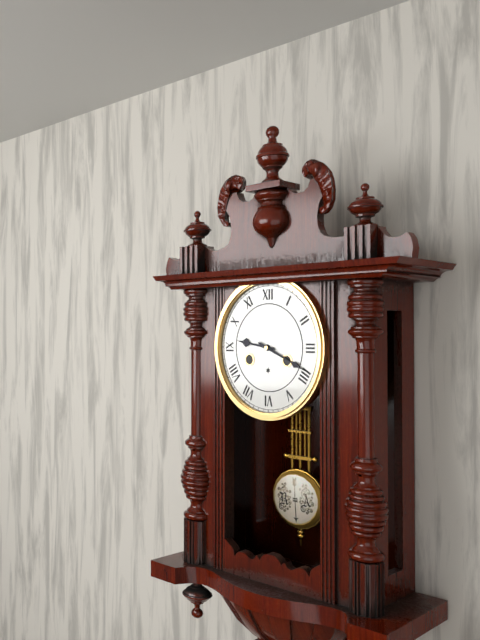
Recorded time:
h=9 m=19
